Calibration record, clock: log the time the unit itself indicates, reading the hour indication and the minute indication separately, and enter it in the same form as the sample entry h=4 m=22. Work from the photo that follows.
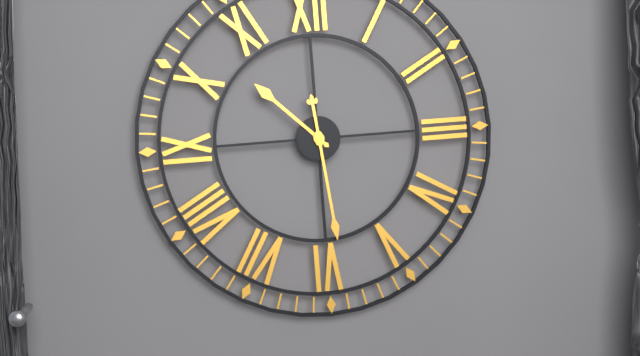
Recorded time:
h=10 m=29
